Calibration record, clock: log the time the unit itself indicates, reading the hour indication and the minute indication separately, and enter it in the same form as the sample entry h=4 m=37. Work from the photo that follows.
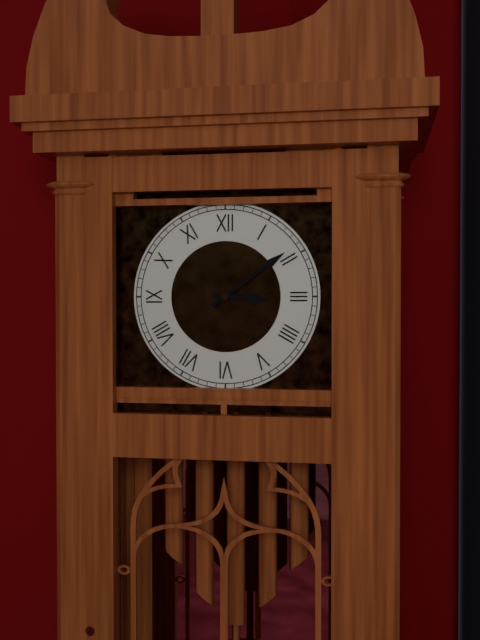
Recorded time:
h=3 m=9
